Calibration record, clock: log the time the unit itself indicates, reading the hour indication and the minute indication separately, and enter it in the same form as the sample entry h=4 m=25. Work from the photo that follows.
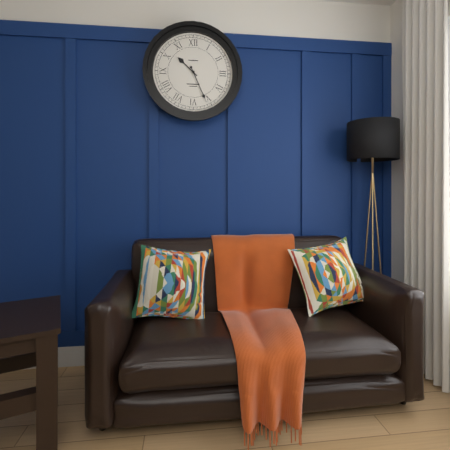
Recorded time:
h=10 m=26
